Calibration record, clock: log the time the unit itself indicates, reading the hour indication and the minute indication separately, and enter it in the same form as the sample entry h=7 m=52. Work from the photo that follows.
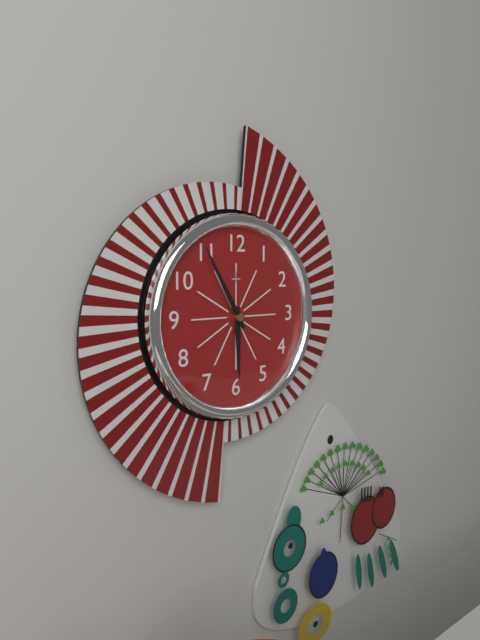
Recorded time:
h=5 m=55
